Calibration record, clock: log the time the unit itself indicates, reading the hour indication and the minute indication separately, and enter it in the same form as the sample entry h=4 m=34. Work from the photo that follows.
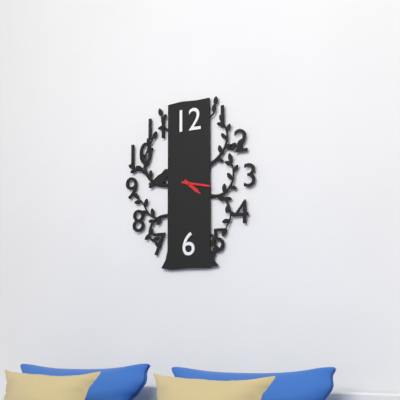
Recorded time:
h=4 m=17
